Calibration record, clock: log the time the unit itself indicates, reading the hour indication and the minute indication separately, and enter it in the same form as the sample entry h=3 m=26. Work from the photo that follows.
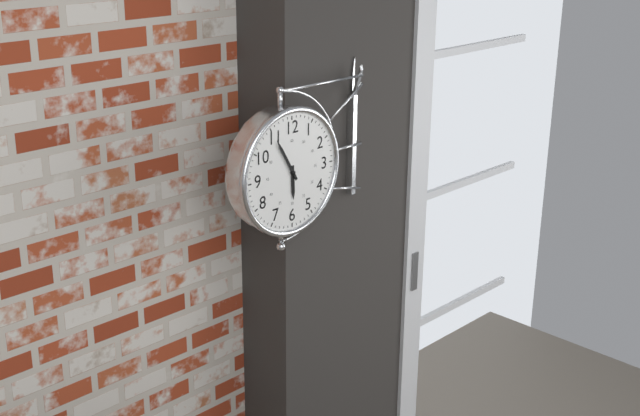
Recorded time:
h=5 m=55
